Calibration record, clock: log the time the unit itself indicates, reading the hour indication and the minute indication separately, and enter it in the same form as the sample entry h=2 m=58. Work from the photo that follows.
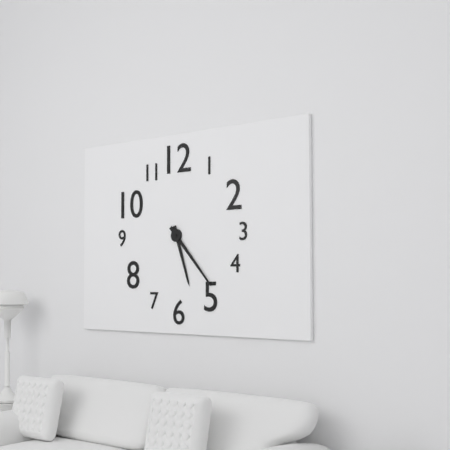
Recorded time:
h=5 m=23
